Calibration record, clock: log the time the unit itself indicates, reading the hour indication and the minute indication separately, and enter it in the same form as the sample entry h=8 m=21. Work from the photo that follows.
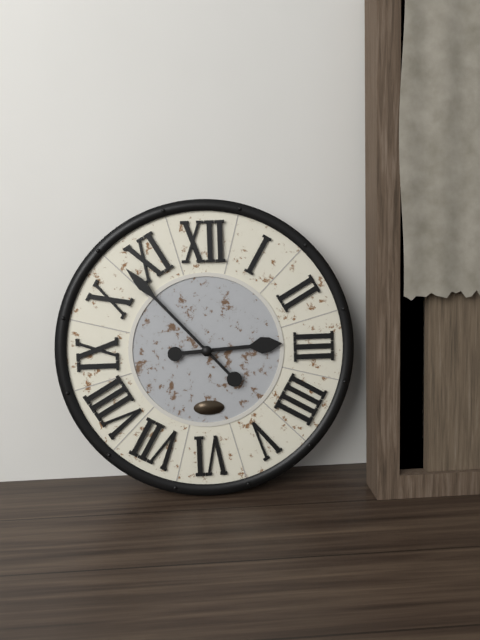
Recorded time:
h=2 m=53
